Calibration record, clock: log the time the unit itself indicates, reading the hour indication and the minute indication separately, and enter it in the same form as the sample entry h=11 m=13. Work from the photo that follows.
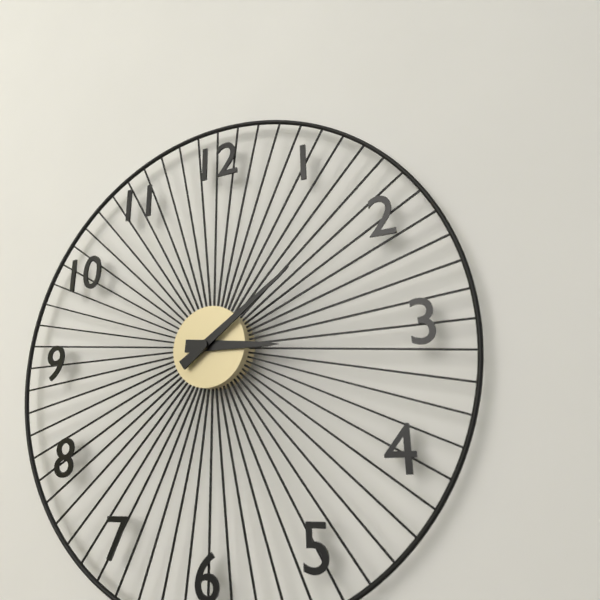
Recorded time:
h=3 m=9
